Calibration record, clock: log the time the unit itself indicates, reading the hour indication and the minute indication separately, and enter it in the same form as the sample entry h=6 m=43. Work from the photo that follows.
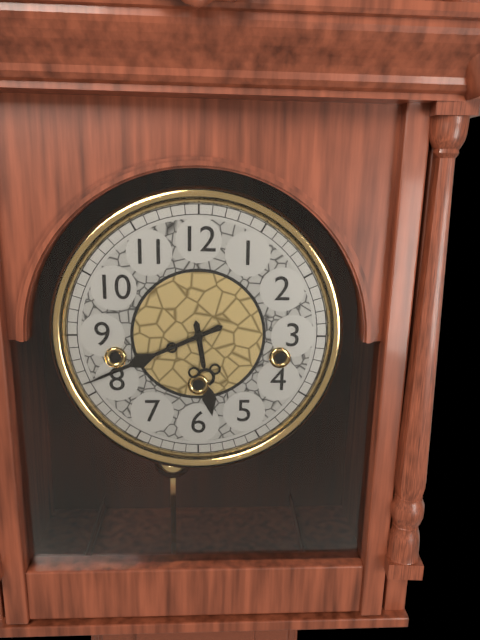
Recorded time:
h=5 m=41
